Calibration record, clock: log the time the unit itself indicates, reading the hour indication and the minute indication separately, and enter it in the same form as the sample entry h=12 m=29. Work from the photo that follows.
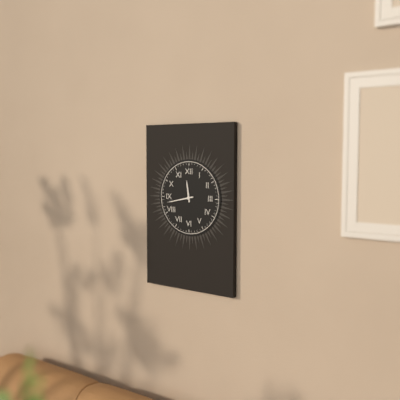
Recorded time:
h=11 m=43
